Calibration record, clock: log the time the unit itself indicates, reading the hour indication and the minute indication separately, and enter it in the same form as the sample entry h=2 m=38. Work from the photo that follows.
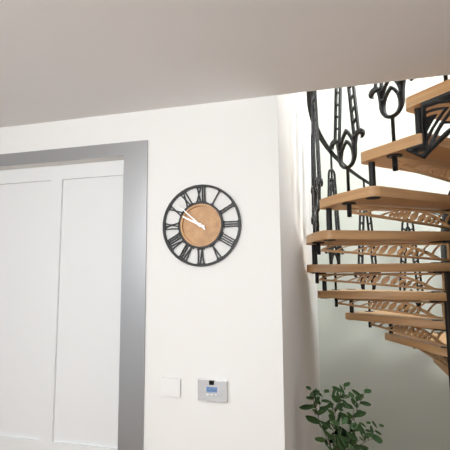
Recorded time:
h=9 m=52
